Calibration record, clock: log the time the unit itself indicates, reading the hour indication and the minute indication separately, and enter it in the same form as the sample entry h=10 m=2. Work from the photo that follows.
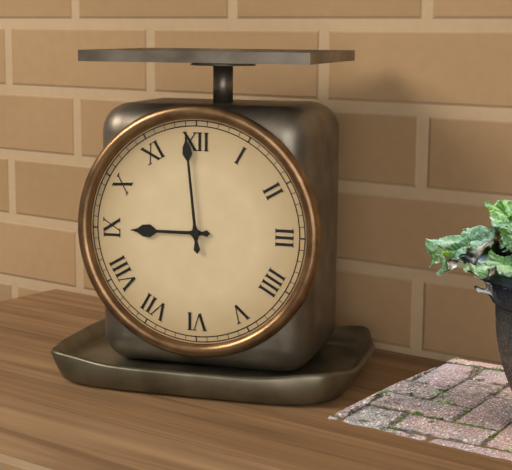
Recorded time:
h=8 m=59
